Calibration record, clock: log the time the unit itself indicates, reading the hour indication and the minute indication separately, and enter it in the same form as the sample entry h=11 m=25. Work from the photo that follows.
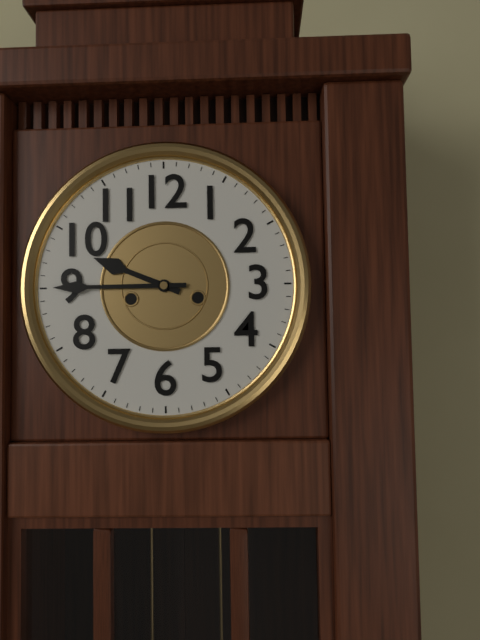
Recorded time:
h=9 m=45
